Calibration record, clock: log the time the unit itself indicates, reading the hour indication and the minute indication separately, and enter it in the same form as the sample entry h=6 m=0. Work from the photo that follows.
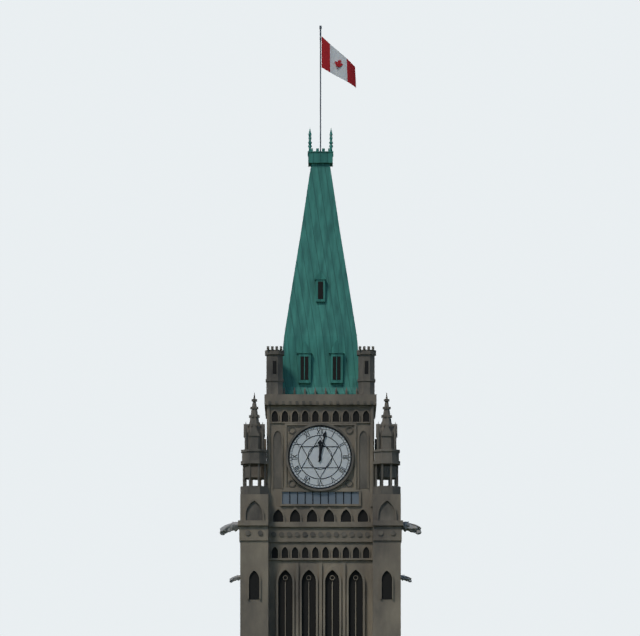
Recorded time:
h=12 m=2
